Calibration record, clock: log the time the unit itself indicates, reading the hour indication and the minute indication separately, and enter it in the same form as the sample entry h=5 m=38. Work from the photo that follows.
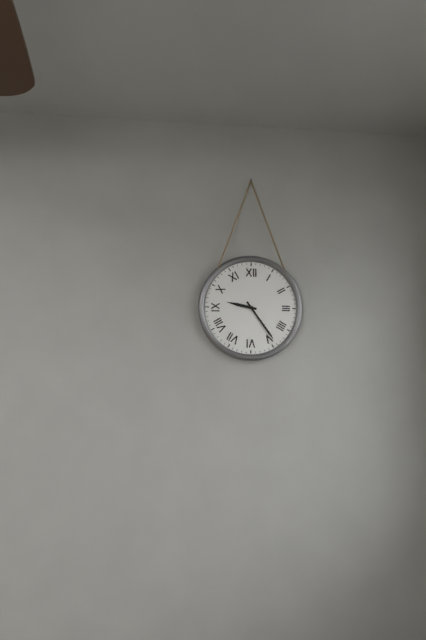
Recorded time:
h=9 m=24
